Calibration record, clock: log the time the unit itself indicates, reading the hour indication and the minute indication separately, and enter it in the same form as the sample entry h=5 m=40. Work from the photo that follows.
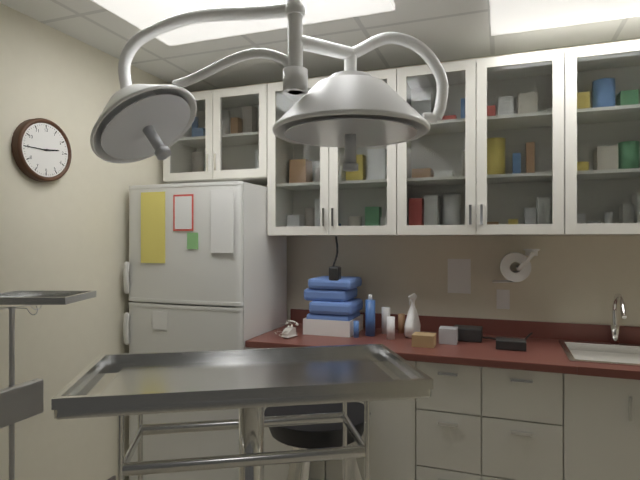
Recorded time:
h=2 m=45
